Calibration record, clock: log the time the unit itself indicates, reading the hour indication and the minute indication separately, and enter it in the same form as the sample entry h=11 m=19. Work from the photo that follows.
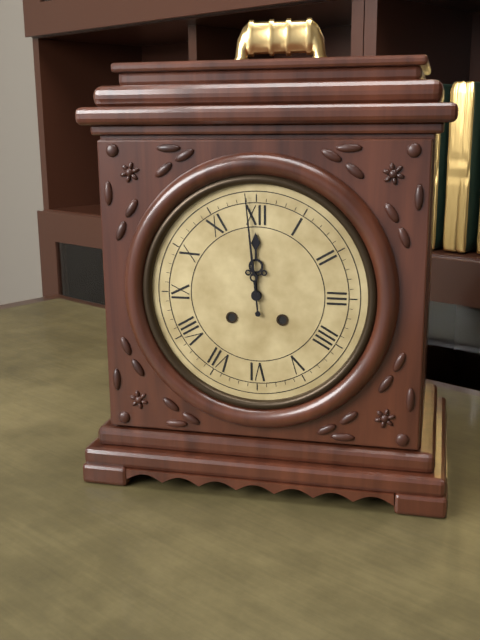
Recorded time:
h=11 m=59
